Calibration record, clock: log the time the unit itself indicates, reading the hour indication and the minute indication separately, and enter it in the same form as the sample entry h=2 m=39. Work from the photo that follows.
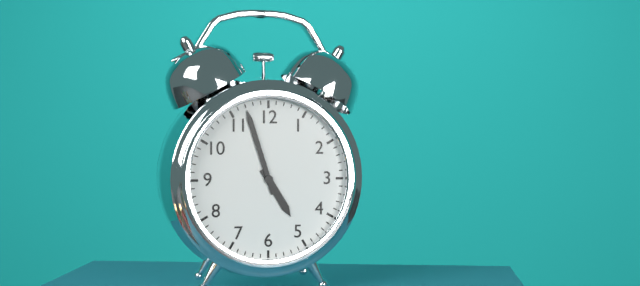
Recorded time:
h=4 m=57
